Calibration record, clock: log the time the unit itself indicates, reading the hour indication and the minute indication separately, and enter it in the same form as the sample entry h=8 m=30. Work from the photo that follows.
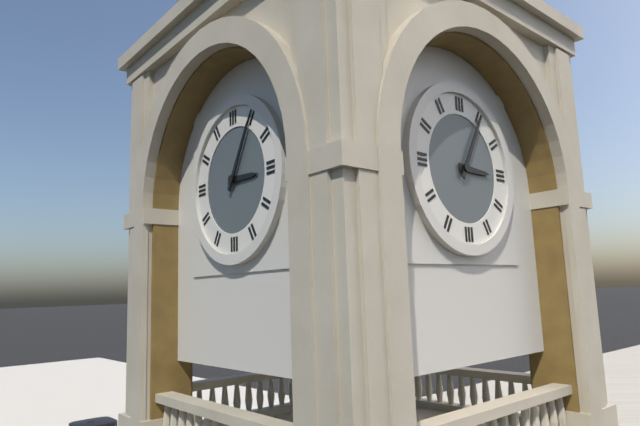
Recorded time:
h=3 m=5
